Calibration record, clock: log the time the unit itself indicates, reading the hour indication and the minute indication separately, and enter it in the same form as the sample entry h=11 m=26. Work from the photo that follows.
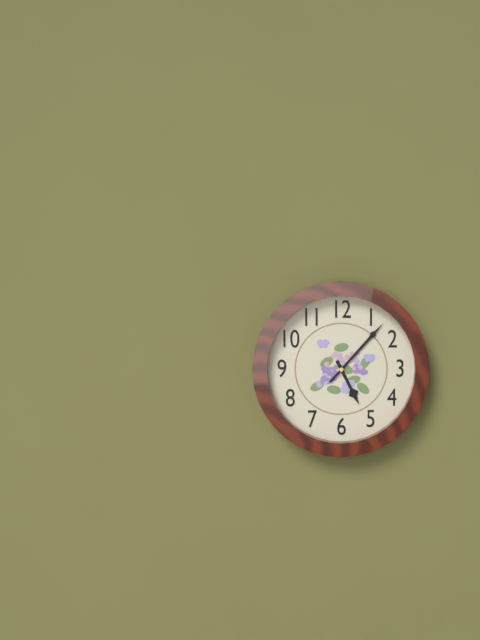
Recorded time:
h=5 m=7
